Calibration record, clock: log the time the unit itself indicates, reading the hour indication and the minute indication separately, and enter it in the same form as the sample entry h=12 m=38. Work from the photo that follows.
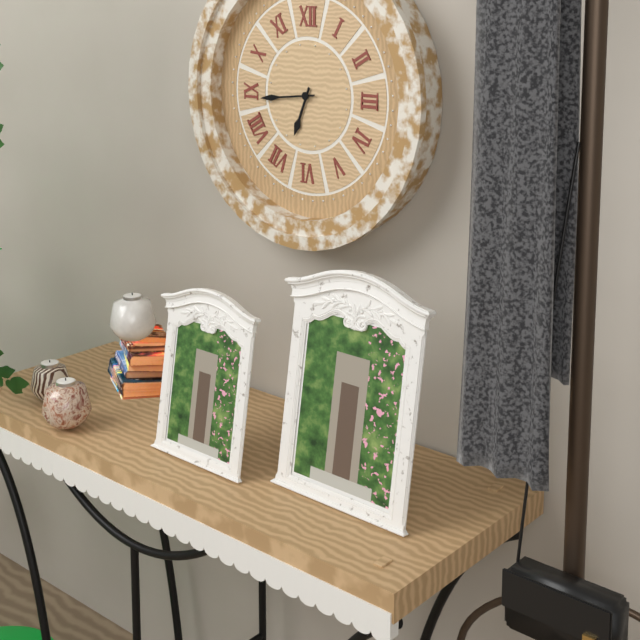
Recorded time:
h=6 m=44
